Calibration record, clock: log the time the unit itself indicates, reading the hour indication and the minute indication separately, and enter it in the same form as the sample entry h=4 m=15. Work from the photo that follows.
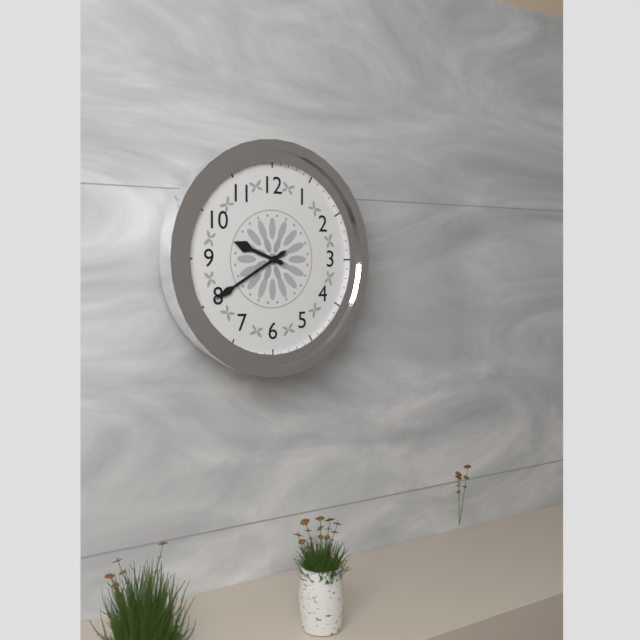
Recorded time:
h=9 m=40
